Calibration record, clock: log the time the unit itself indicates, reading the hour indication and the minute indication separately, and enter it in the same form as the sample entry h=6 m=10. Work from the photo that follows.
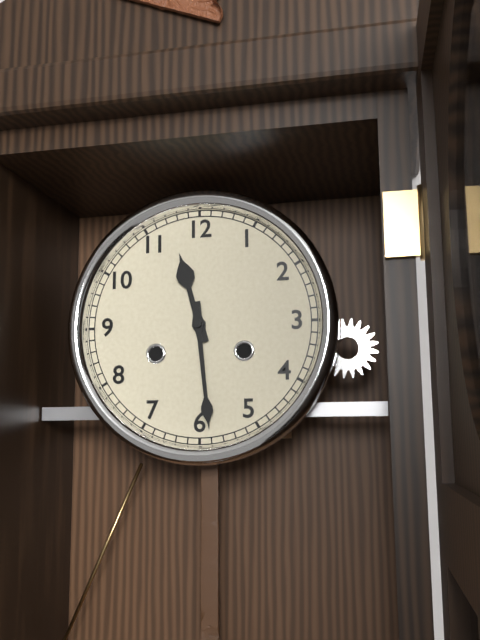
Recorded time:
h=11 m=29
